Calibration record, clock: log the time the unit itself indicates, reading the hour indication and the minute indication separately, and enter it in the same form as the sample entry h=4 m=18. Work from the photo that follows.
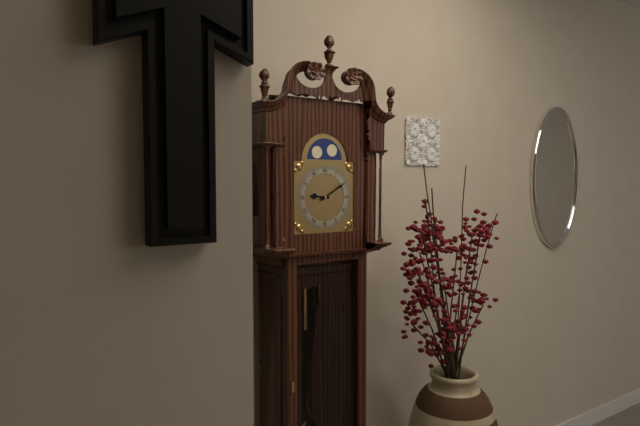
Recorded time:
h=9 m=10
